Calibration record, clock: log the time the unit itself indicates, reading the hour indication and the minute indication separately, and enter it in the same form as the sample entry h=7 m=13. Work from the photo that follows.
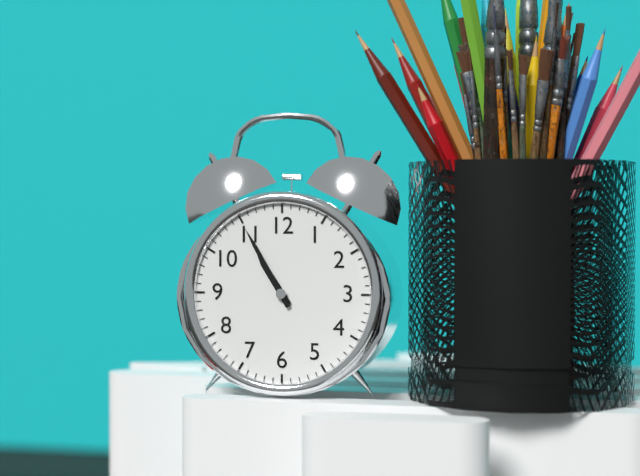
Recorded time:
h=10 m=55
